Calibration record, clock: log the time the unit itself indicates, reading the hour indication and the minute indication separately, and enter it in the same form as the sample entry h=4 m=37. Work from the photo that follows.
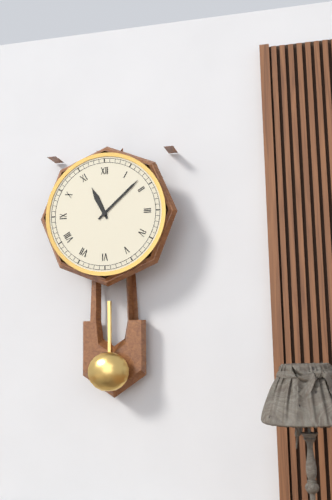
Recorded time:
h=11 m=8
